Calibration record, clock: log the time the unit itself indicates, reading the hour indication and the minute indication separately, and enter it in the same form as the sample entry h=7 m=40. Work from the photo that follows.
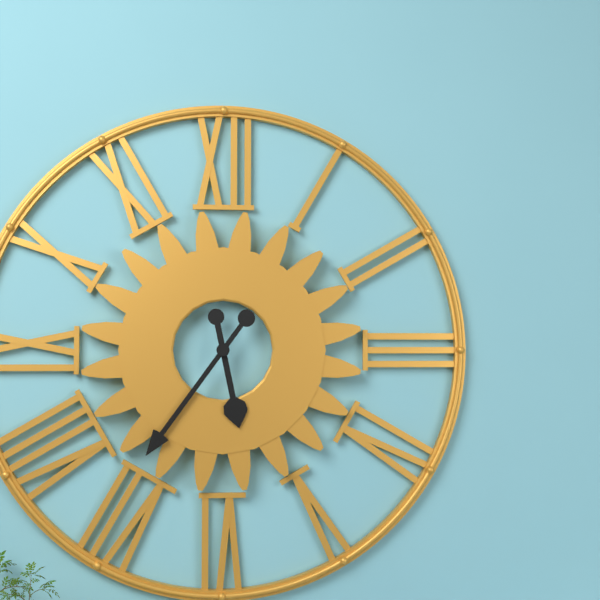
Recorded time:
h=5 m=36
